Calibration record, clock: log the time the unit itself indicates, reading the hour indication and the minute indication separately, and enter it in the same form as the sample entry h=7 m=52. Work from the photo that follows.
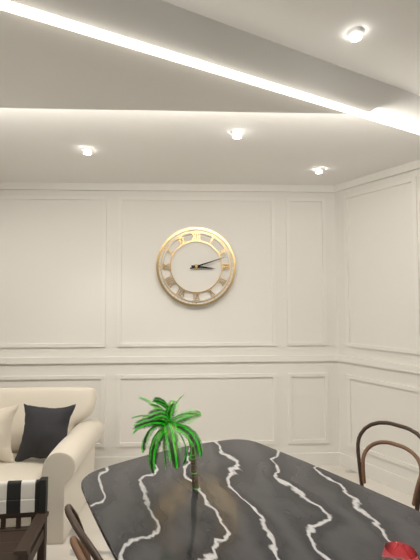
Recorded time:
h=3 m=12
